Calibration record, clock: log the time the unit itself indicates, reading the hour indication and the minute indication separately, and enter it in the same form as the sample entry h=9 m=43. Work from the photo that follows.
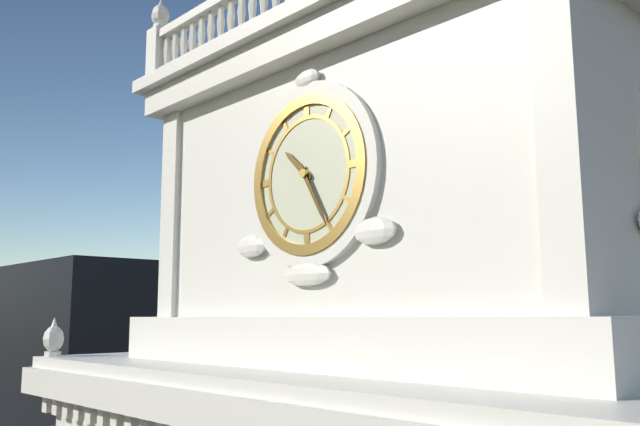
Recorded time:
h=10 m=25
